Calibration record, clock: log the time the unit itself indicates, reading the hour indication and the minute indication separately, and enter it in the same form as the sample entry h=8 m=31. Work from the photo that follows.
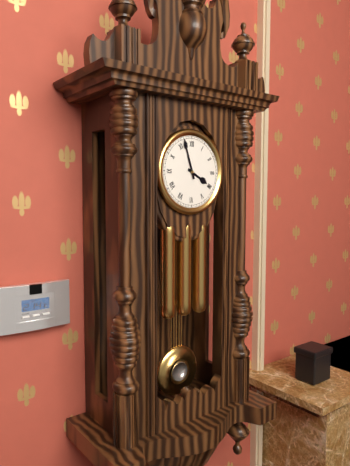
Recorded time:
h=3 m=57
